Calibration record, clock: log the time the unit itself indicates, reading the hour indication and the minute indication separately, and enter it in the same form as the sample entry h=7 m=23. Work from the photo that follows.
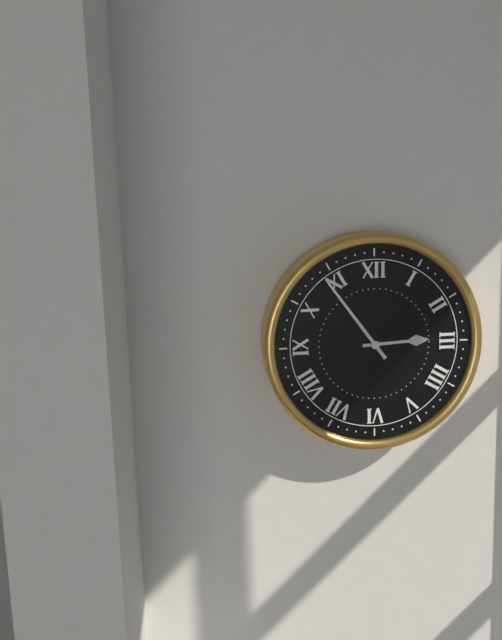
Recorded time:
h=2 m=54
